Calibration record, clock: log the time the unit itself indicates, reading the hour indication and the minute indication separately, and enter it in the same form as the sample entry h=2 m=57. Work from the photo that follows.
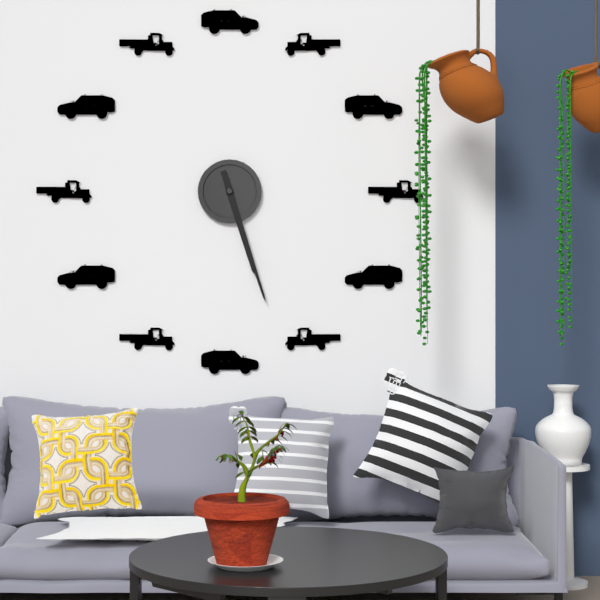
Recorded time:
h=5 m=27
